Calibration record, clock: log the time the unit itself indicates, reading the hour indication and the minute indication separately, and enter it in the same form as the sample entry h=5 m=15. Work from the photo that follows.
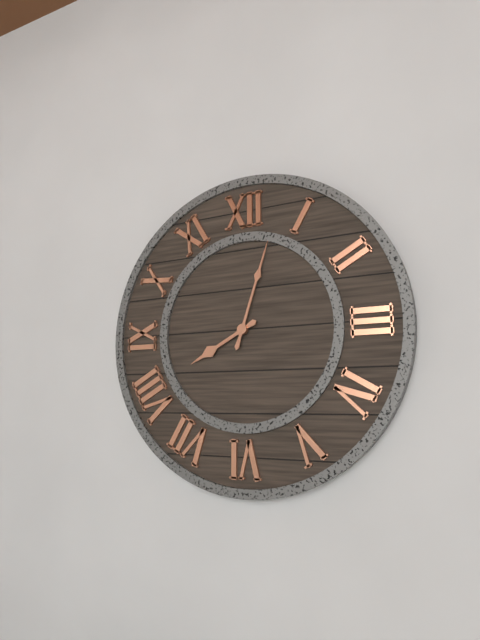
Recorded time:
h=8 m=3
